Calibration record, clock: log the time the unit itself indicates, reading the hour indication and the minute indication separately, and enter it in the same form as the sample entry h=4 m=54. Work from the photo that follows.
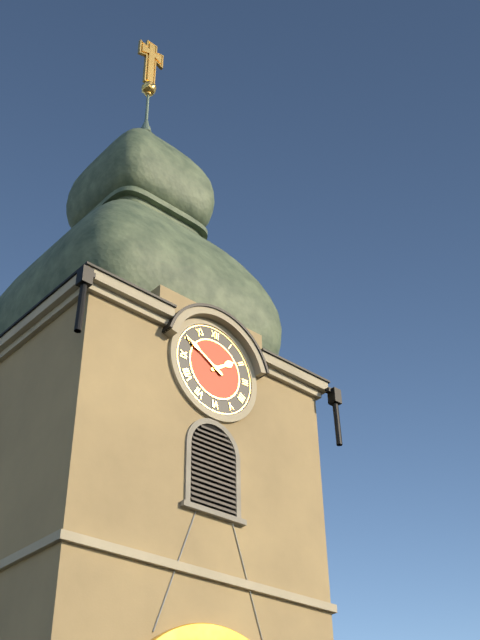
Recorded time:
h=1 m=50
